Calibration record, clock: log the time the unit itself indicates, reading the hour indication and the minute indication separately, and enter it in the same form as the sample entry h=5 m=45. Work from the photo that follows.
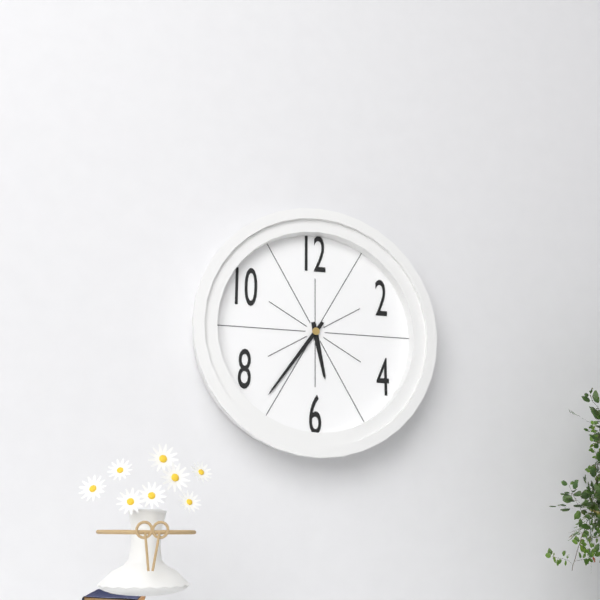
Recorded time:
h=5 m=36
